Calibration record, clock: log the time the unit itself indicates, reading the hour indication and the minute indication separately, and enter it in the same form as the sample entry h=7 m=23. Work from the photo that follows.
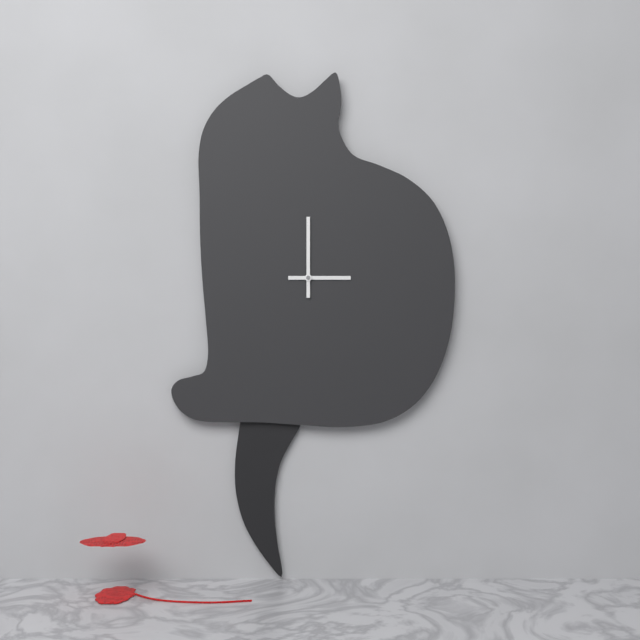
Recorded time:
h=3 m=0
